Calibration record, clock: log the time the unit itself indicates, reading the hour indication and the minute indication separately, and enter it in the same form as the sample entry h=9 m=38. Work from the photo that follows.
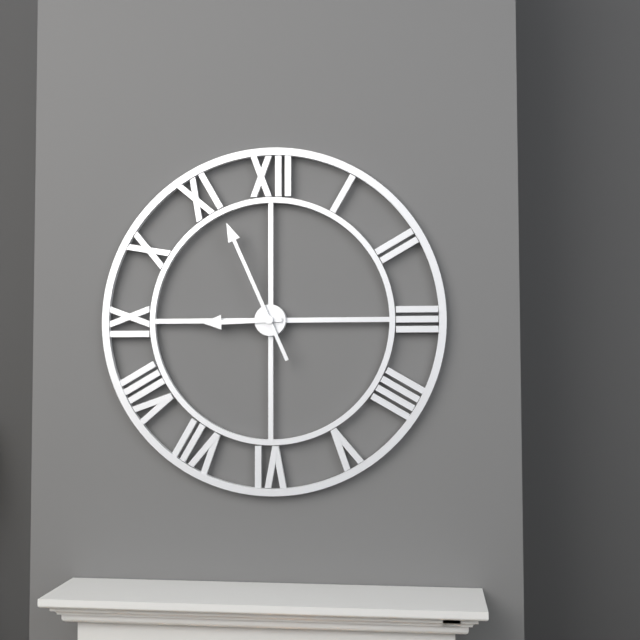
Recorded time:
h=8 m=56
